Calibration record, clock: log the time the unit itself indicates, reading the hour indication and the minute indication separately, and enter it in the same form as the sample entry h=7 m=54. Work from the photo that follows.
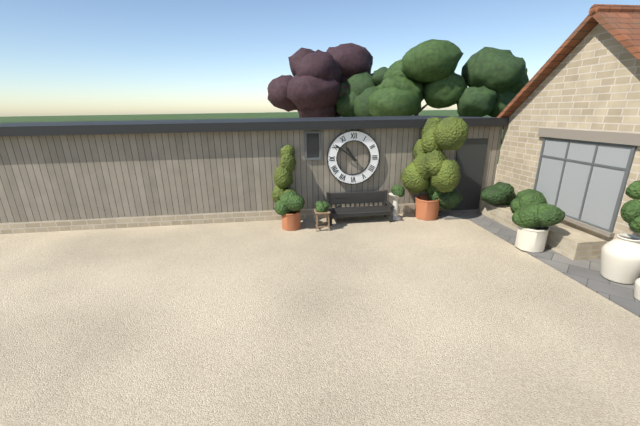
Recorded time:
h=10 m=51
